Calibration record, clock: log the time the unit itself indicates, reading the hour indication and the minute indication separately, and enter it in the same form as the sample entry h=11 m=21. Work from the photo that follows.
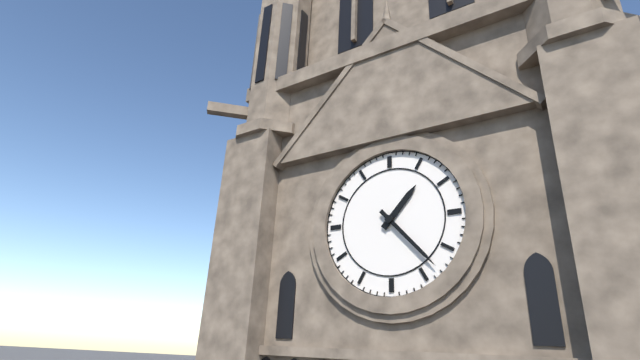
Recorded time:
h=1 m=23
